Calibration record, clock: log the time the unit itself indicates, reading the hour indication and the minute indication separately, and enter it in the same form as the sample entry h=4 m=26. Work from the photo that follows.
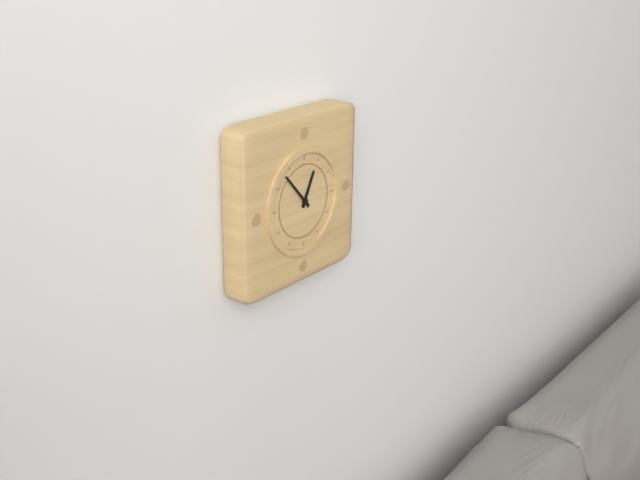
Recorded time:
h=12 m=53
